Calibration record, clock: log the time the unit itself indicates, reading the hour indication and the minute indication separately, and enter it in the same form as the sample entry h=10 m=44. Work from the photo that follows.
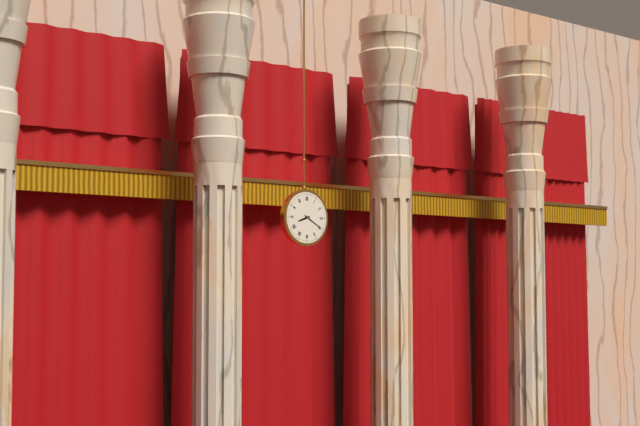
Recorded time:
h=8 m=20
